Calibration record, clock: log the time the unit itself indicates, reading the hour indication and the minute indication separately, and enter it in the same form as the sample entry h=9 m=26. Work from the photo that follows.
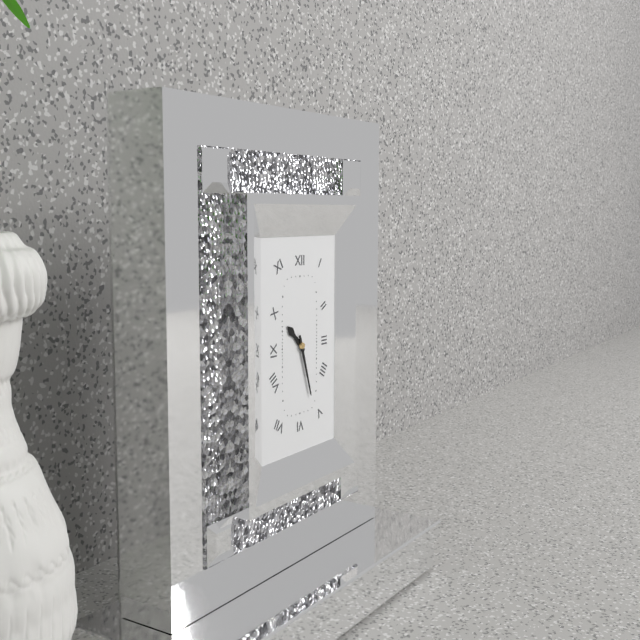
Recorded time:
h=10 m=27
